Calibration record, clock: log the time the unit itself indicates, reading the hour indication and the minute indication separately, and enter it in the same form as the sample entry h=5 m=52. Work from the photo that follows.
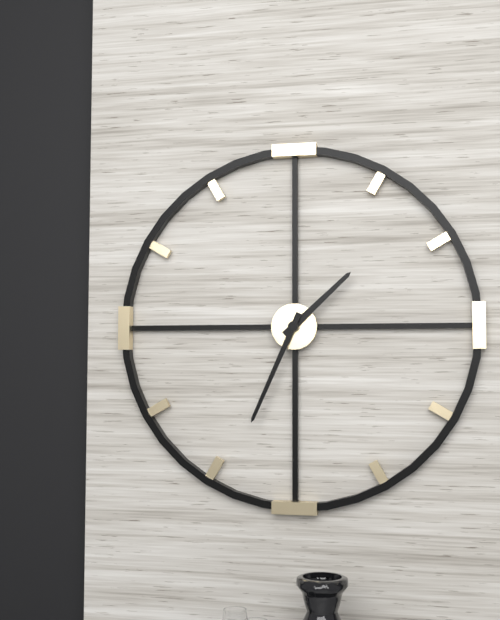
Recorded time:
h=1 m=34
